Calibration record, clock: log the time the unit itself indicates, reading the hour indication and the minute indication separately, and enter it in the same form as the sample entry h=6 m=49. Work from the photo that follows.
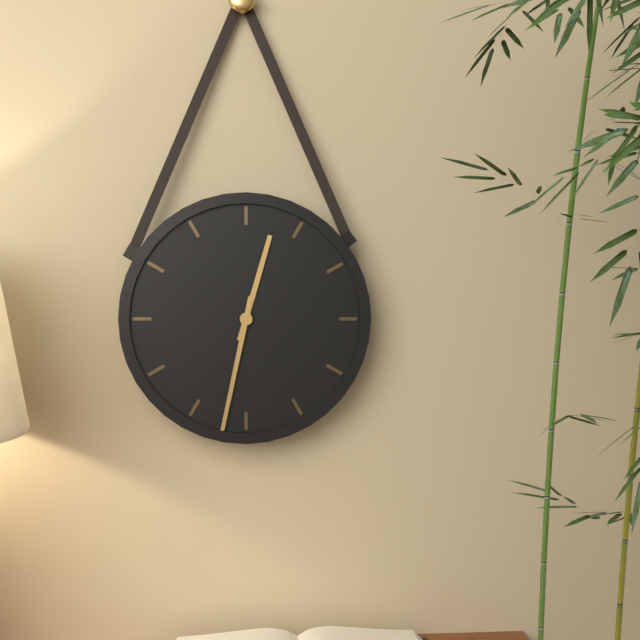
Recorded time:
h=12 m=32
